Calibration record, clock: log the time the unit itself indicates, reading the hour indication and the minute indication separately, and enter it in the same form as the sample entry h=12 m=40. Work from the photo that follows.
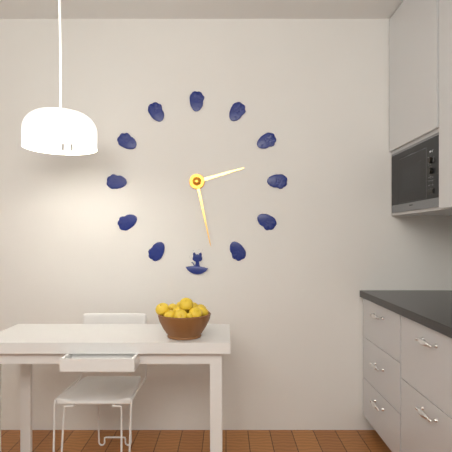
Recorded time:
h=2 m=28
